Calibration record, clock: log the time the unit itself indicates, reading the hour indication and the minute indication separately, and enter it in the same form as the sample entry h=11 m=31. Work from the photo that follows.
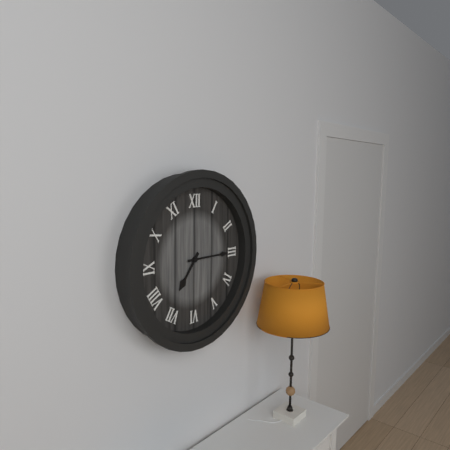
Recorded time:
h=7 m=15
